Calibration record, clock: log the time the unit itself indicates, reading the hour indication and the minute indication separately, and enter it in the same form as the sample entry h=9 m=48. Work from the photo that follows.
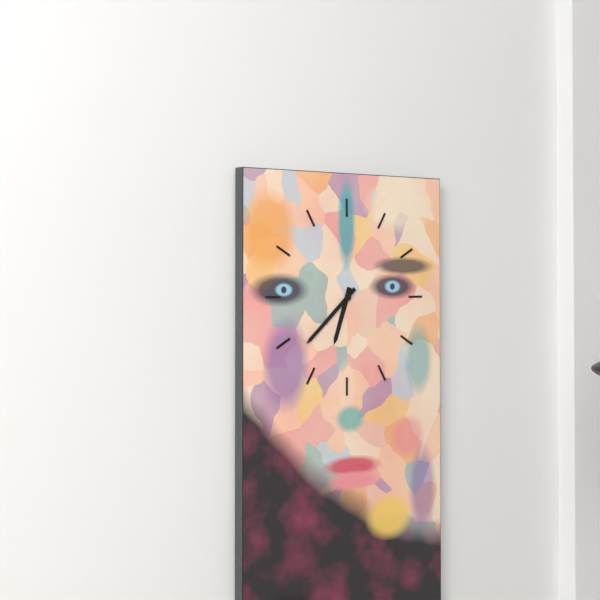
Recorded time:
h=6 m=38
